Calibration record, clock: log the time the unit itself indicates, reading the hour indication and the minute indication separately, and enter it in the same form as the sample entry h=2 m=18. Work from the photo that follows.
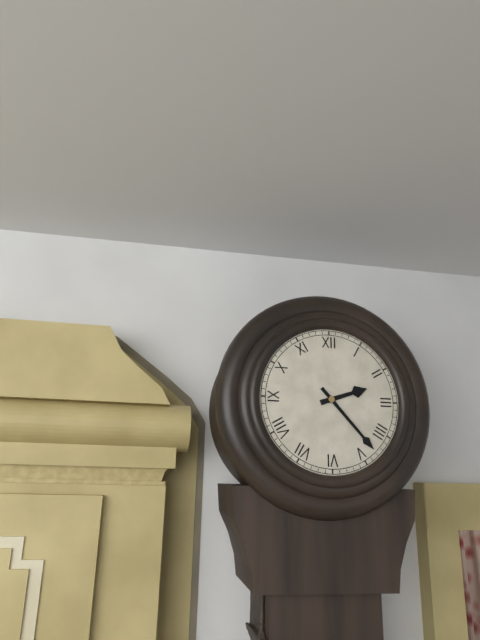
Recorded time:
h=2 m=23
